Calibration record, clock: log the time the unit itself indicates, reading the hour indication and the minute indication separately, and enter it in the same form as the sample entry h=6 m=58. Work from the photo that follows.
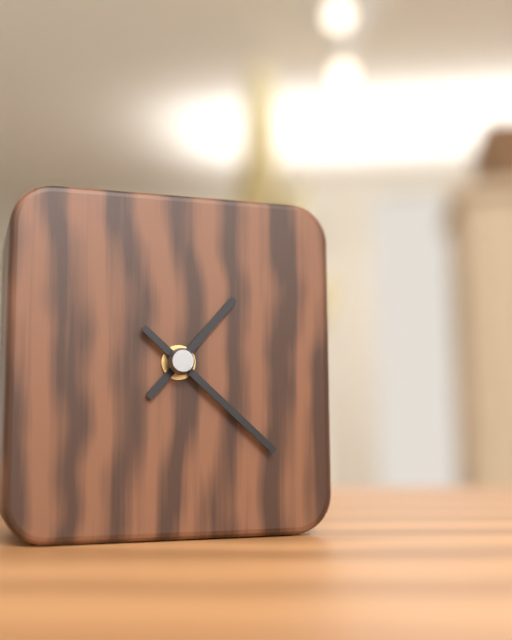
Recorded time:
h=1 m=22
